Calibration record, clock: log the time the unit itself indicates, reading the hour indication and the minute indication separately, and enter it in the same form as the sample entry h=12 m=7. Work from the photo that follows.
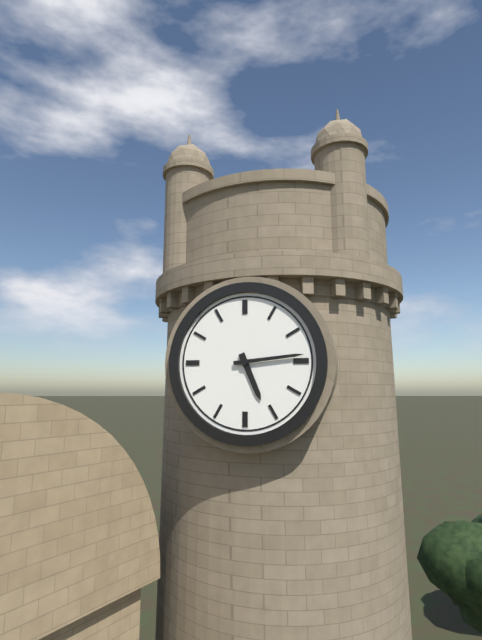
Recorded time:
h=5 m=14
